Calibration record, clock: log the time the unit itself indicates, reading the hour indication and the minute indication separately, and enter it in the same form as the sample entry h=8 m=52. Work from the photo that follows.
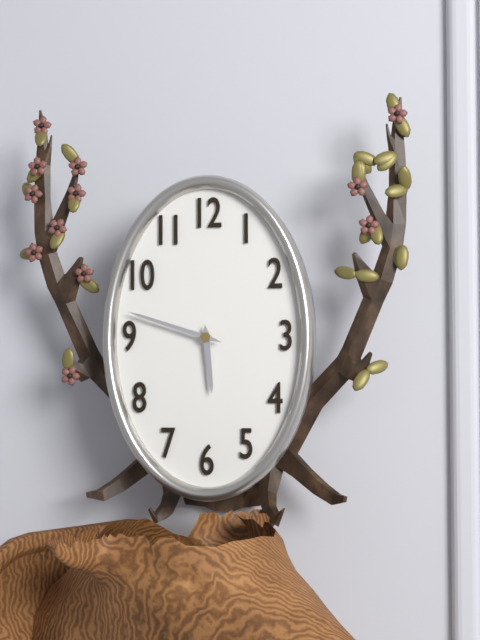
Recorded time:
h=5 m=48
